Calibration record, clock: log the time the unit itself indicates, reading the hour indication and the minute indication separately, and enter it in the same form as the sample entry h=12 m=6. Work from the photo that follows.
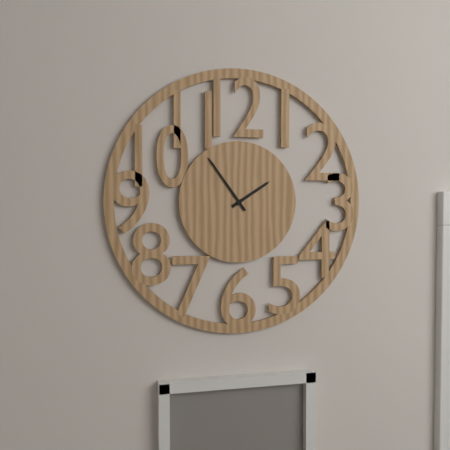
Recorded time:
h=1 m=54
